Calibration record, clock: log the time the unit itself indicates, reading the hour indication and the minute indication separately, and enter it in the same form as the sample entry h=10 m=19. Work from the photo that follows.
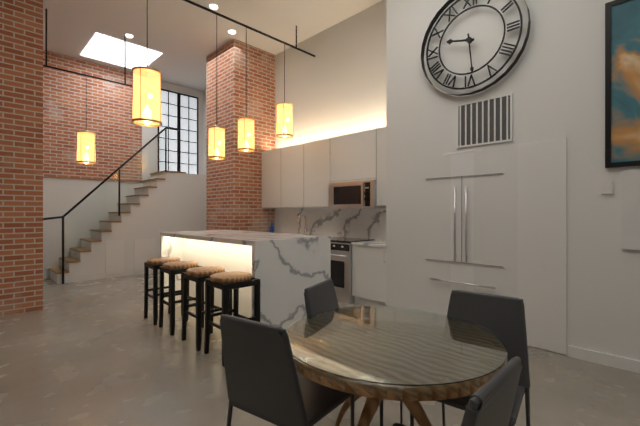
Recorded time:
h=9 m=29
